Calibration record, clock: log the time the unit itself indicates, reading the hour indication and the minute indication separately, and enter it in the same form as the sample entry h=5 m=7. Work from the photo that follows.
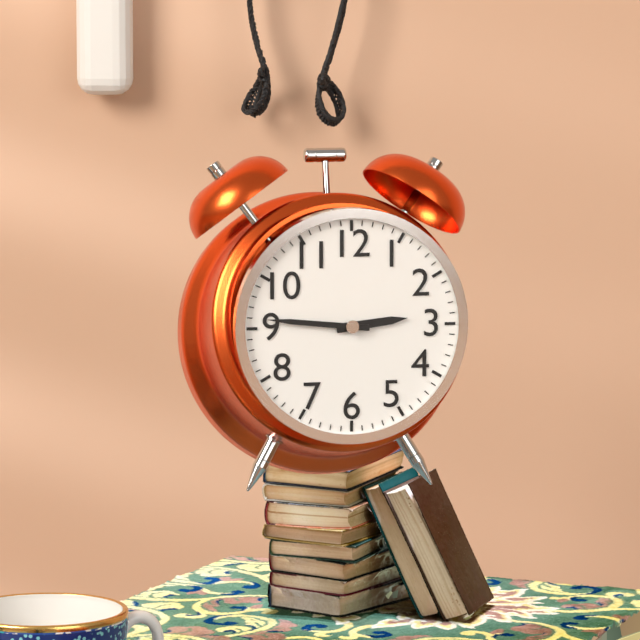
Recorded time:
h=2 m=46
